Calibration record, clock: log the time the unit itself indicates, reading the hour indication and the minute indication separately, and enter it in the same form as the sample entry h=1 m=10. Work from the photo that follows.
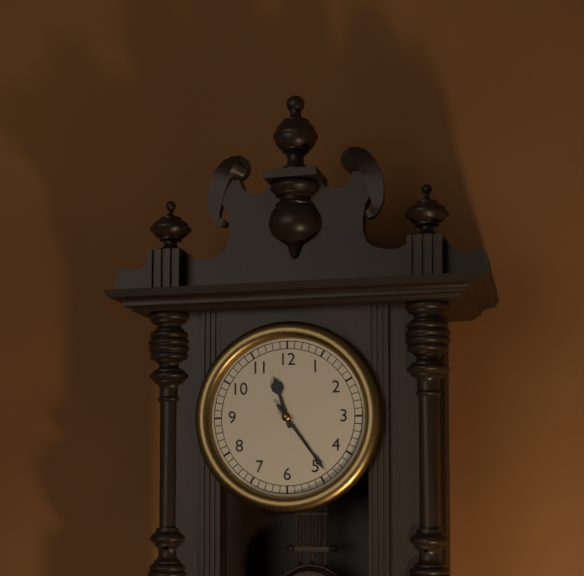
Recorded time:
h=11 m=24
